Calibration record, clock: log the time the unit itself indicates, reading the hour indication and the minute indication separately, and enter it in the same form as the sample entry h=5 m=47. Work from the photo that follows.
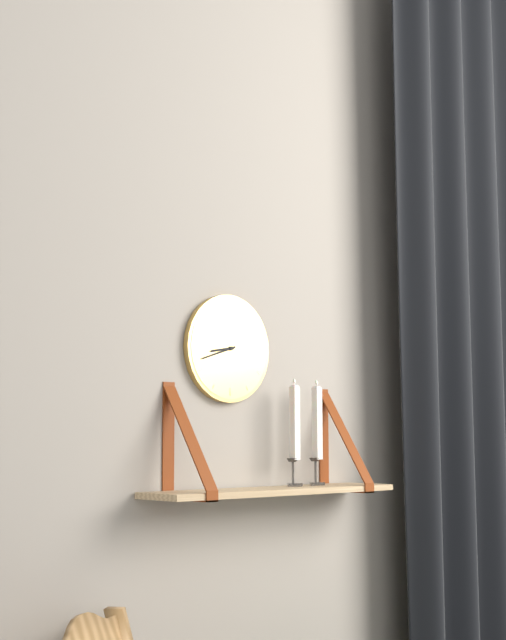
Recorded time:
h=8 m=42
